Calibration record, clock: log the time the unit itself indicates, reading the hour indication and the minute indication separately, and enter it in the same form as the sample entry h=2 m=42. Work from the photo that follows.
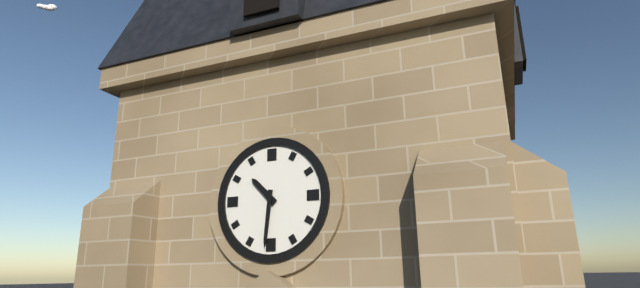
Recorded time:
h=10 m=31
